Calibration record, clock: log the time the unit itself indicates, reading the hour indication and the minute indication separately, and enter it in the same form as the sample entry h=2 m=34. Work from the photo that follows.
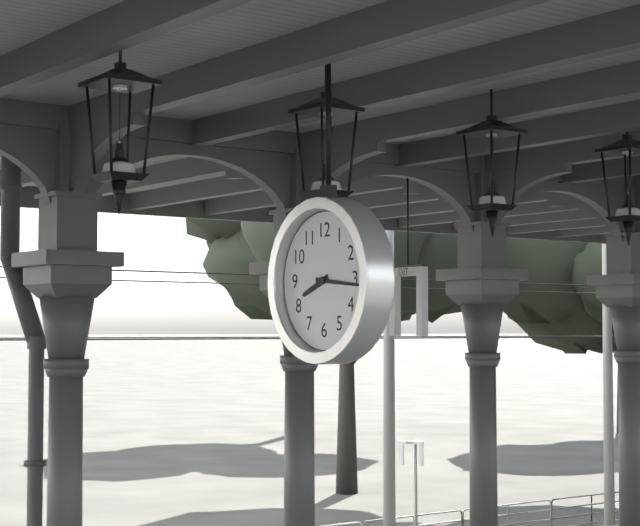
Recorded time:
h=8 m=16
